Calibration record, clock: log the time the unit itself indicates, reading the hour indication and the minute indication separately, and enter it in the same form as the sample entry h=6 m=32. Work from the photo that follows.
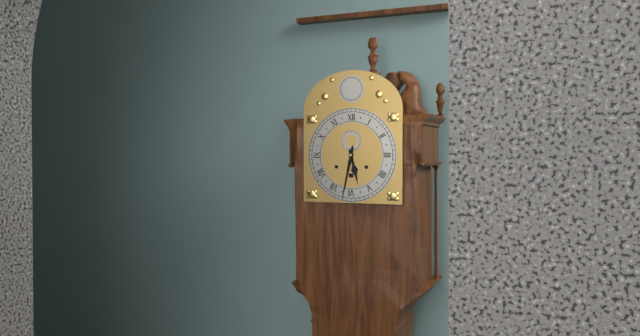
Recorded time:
h=5 m=32
